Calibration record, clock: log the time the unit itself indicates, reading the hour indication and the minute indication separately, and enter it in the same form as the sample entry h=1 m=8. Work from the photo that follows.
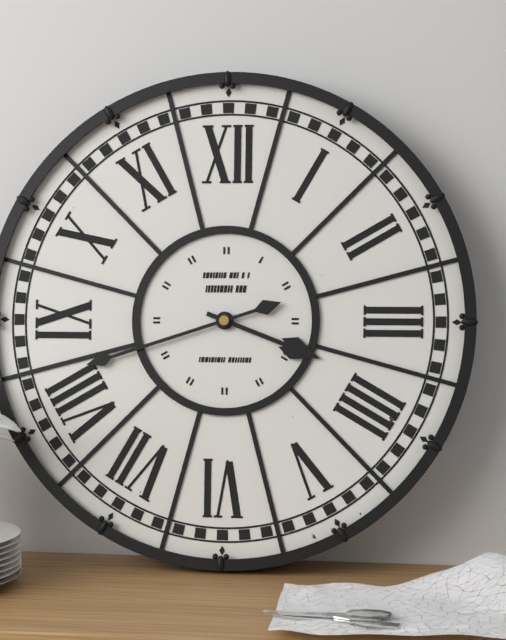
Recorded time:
h=3 m=42
